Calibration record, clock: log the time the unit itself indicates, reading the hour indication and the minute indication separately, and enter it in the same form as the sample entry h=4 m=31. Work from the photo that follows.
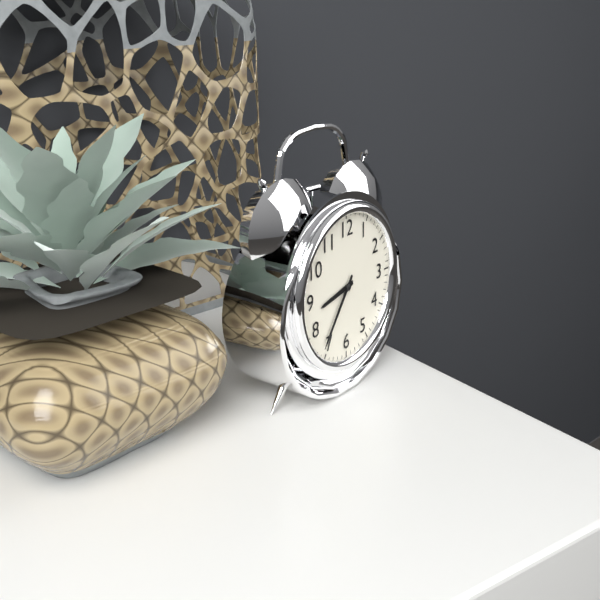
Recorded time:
h=8 m=36
